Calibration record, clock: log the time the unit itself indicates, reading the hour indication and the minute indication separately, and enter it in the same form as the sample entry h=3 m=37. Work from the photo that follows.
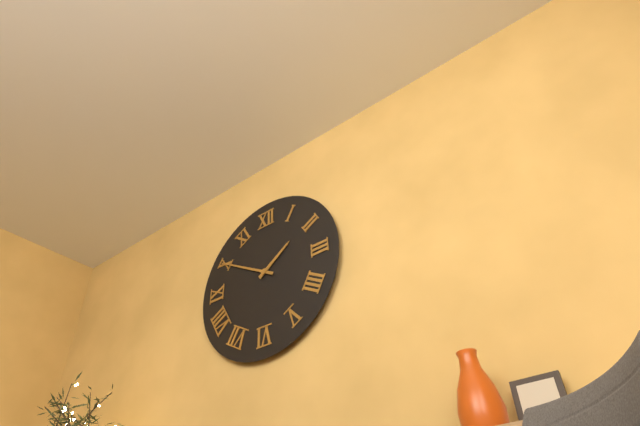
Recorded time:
h=1 m=50
